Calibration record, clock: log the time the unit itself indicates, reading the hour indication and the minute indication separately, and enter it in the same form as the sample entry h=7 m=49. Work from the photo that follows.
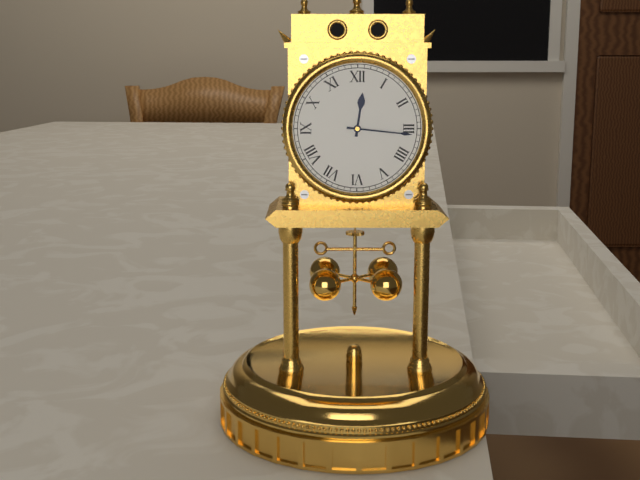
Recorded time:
h=12 m=16
